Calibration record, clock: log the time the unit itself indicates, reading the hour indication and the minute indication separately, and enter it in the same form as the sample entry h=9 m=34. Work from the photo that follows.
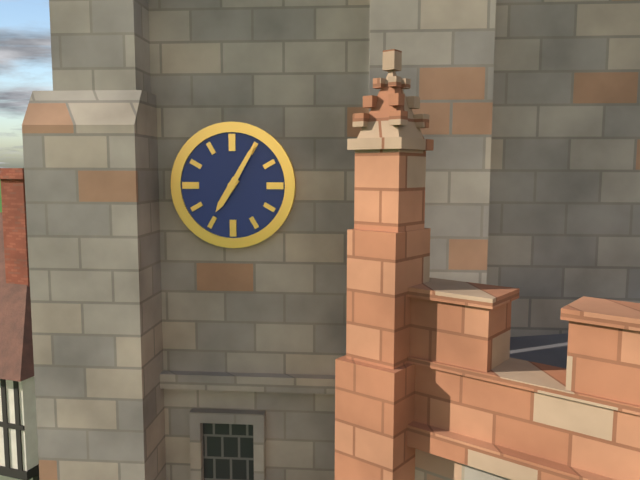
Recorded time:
h=7 m=5
